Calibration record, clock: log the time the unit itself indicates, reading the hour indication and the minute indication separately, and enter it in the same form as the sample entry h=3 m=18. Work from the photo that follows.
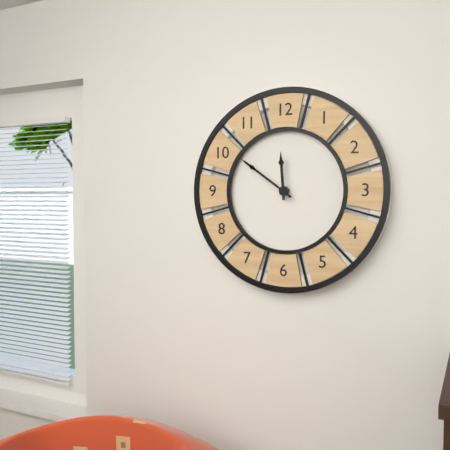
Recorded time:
h=11 m=51
